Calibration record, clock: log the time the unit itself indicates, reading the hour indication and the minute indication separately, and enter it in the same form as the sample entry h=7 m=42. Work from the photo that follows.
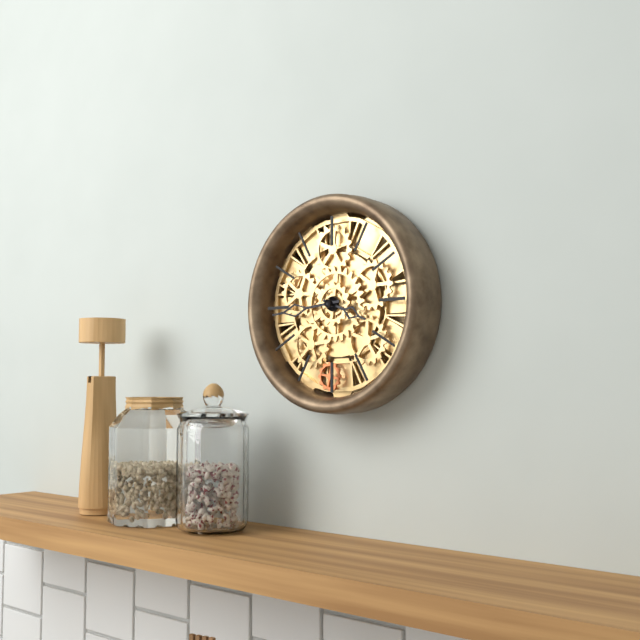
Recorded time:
h=3 m=44
